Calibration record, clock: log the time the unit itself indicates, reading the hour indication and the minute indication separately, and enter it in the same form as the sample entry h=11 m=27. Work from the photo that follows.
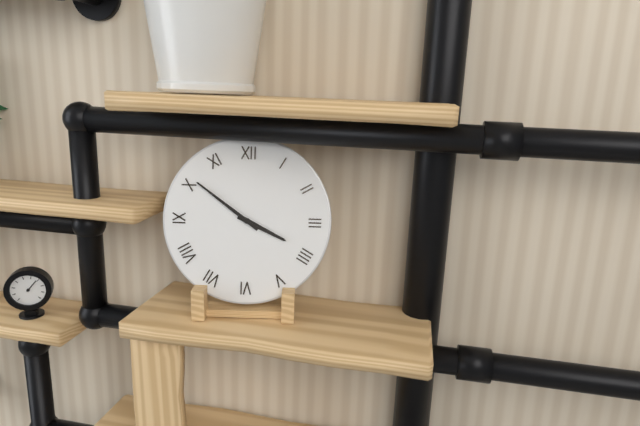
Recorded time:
h=3 m=51
